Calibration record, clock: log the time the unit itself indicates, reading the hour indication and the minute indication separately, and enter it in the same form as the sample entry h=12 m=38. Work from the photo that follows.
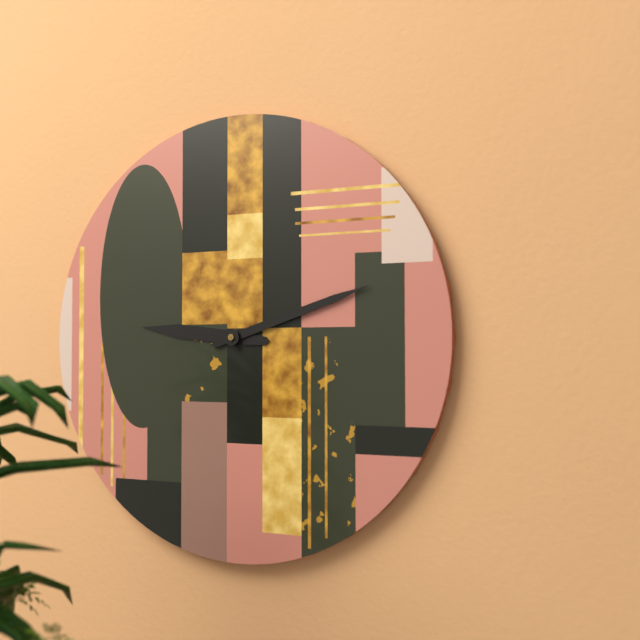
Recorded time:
h=9 m=12
